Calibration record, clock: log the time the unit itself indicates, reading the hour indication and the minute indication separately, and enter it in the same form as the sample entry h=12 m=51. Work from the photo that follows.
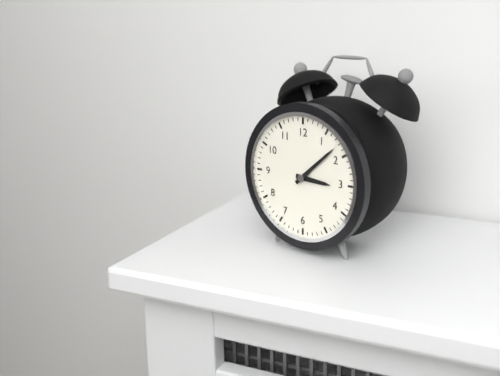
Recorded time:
h=3 m=8
